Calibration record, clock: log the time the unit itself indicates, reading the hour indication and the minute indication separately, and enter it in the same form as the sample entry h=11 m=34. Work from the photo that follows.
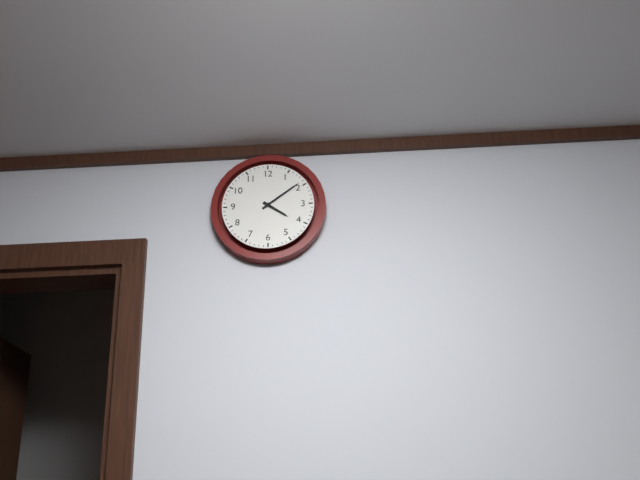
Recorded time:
h=4 m=9
